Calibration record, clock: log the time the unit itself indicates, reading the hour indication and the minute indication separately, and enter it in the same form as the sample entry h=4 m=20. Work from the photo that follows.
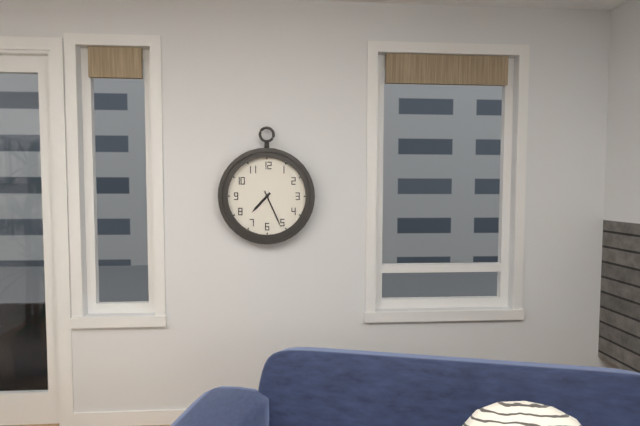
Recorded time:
h=7 m=26
